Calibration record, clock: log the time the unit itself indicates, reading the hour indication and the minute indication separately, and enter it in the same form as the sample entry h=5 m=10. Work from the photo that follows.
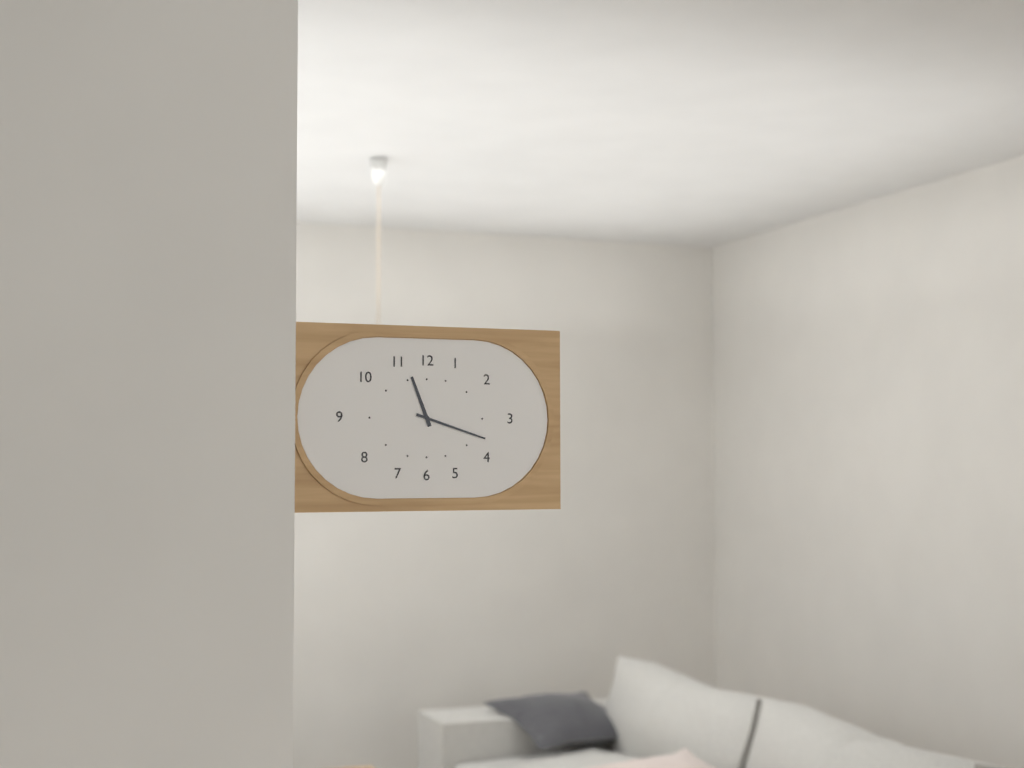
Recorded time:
h=11 m=18
